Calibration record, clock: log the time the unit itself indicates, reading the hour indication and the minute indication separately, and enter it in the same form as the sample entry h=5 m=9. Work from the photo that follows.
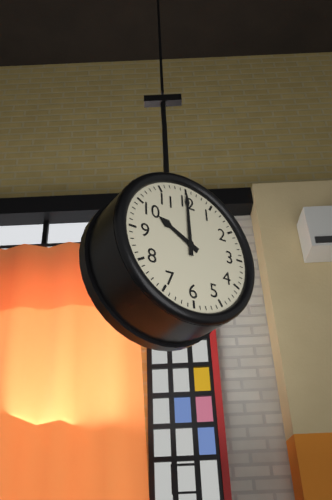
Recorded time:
h=10 m=0
